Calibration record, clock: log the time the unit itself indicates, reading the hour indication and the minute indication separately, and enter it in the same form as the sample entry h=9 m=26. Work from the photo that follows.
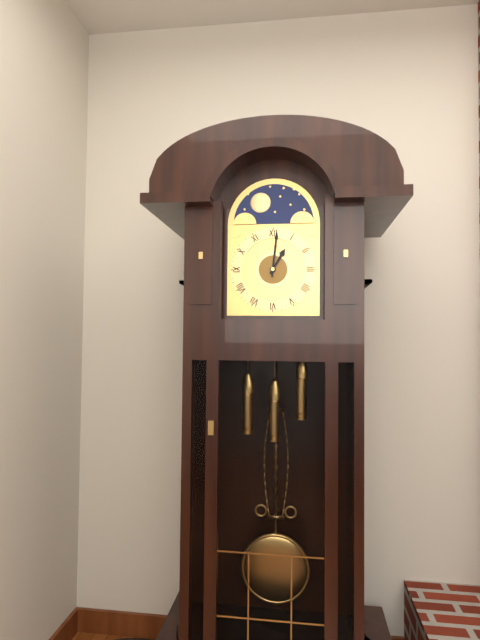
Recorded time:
h=1 m=1
